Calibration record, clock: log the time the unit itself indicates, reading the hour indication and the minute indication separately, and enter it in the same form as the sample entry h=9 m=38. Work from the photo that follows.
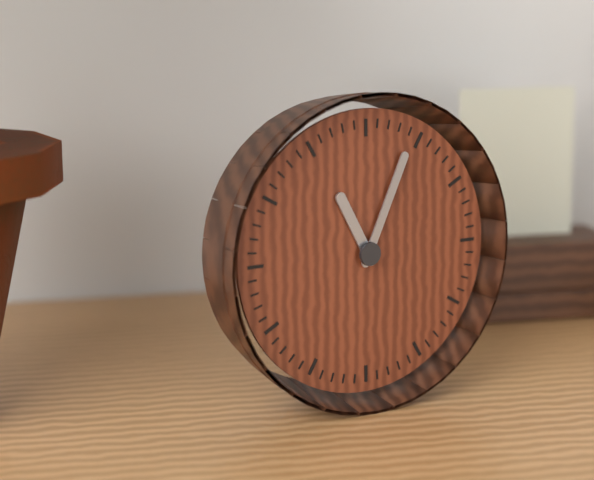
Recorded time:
h=11 m=4
